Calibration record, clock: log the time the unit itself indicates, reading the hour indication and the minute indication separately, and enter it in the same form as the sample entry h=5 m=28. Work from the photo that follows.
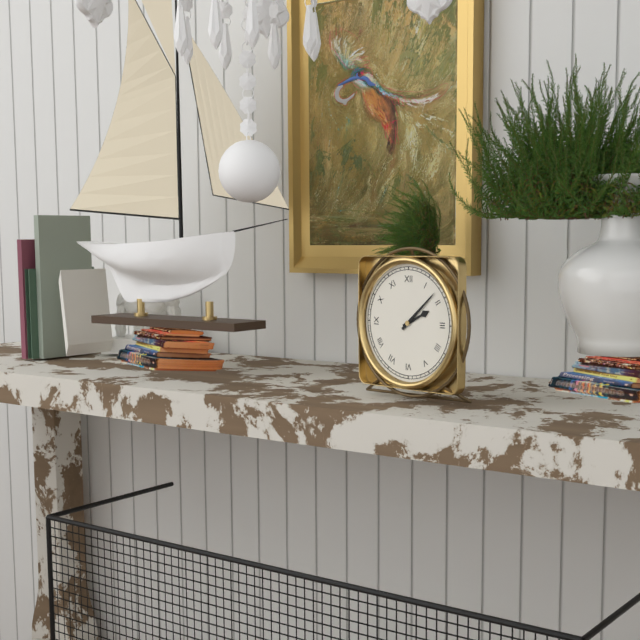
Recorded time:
h=2 m=8
